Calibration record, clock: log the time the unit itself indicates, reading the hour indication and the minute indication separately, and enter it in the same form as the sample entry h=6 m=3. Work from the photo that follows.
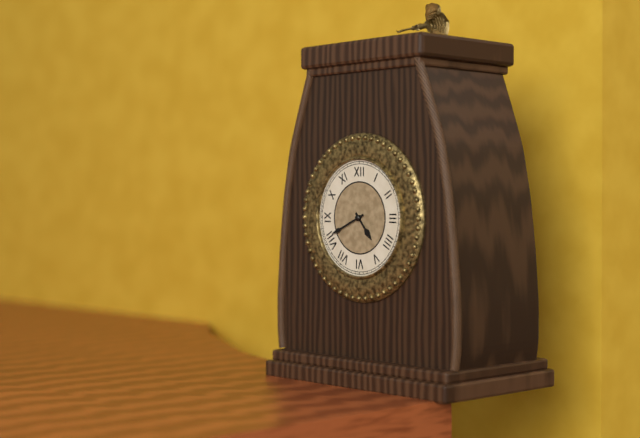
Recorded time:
h=4 m=41
